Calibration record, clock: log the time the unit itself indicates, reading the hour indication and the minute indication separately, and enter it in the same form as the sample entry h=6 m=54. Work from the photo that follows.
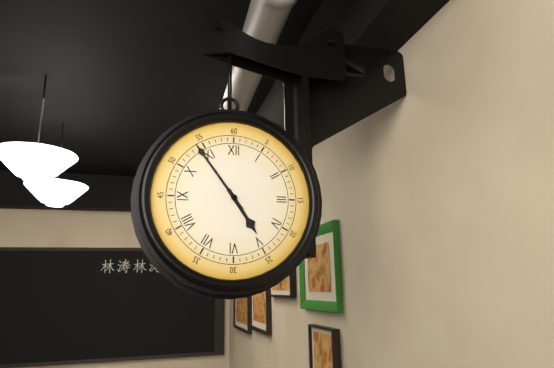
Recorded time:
h=4 m=54
